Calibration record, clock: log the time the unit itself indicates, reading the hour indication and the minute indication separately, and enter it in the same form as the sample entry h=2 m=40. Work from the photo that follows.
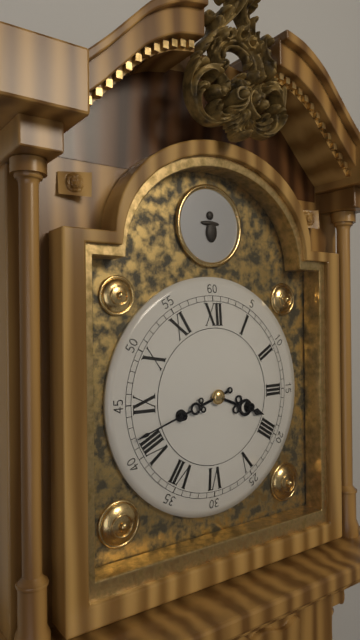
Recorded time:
h=3 m=42
